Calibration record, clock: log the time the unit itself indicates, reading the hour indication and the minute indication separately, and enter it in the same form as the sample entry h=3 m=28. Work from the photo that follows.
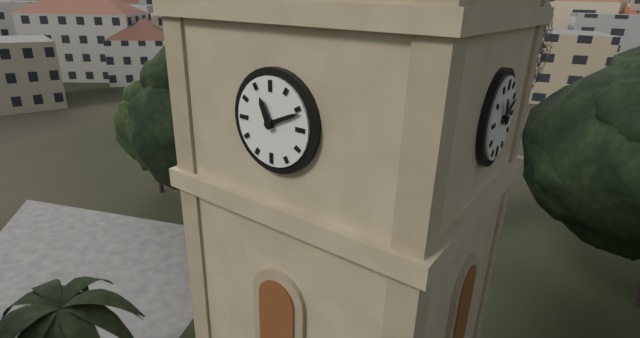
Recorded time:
h=11 m=11
